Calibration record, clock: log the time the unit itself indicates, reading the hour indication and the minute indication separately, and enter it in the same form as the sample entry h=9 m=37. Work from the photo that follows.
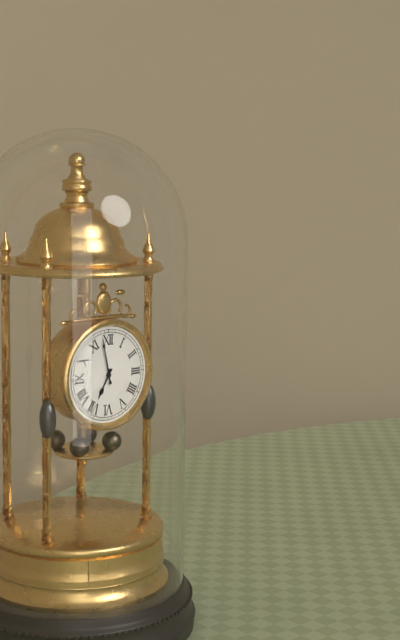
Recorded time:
h=6 m=58
